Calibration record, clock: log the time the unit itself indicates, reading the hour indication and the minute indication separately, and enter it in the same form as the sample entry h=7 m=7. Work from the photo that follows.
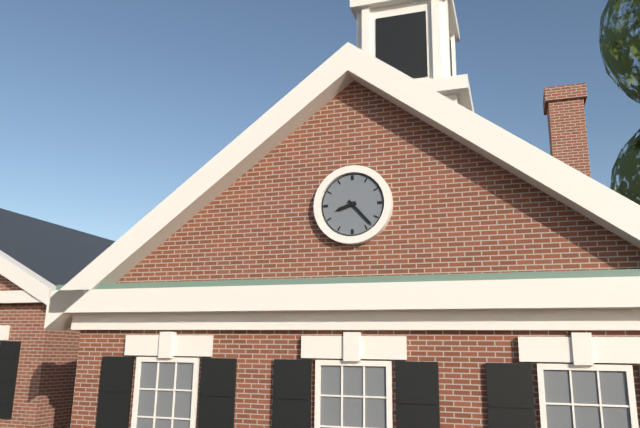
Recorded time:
h=8 m=23
